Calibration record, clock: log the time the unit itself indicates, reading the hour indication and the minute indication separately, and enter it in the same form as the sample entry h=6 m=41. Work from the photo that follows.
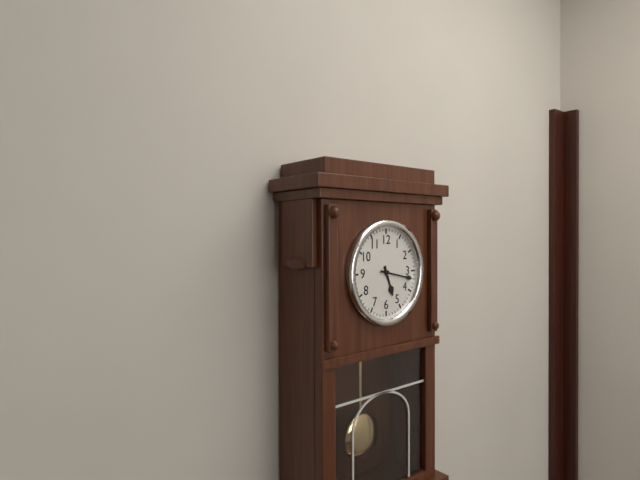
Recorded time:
h=5 m=17
